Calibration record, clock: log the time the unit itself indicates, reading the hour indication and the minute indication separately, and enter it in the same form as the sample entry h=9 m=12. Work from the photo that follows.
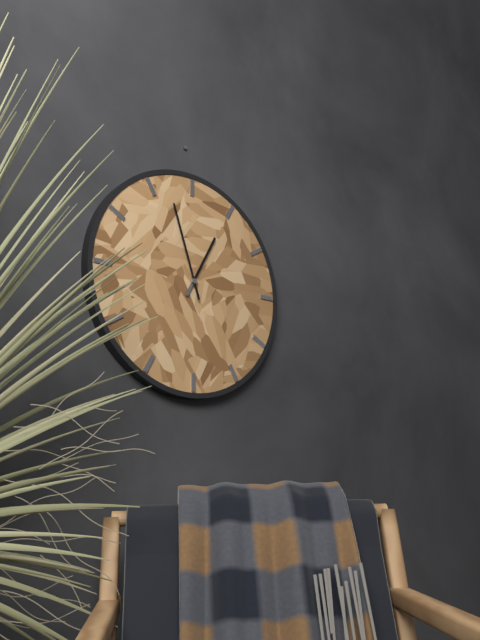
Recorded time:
h=12 m=57
